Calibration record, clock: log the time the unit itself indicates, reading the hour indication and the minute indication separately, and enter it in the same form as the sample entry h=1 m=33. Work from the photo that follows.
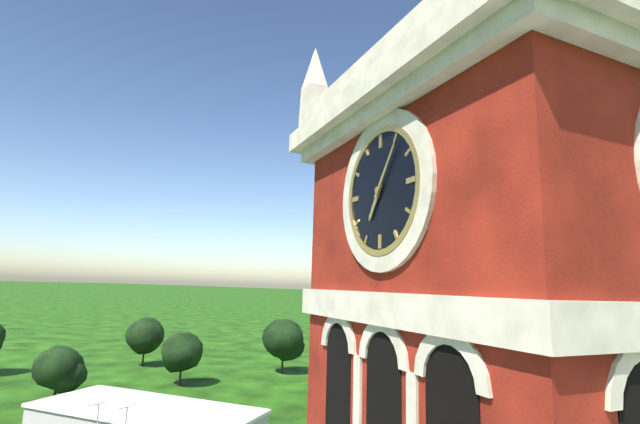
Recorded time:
h=7 m=6
